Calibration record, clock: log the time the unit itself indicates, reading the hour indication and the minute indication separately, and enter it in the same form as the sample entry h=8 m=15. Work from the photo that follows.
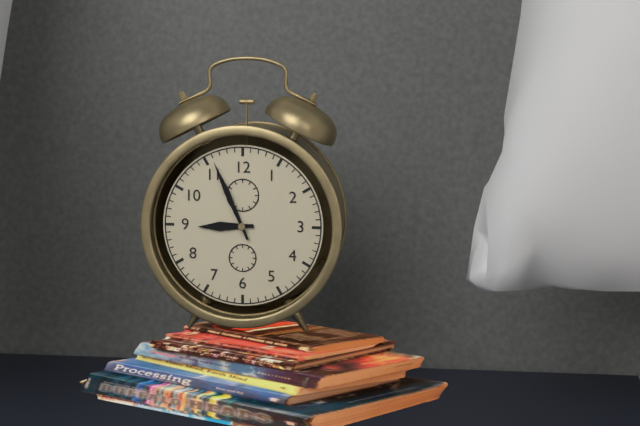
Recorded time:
h=8 m=56
